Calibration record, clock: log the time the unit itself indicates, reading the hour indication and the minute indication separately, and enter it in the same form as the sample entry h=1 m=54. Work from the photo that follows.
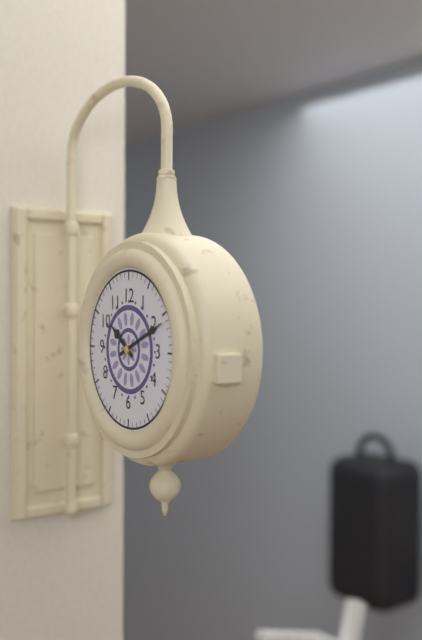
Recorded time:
h=10 m=11
